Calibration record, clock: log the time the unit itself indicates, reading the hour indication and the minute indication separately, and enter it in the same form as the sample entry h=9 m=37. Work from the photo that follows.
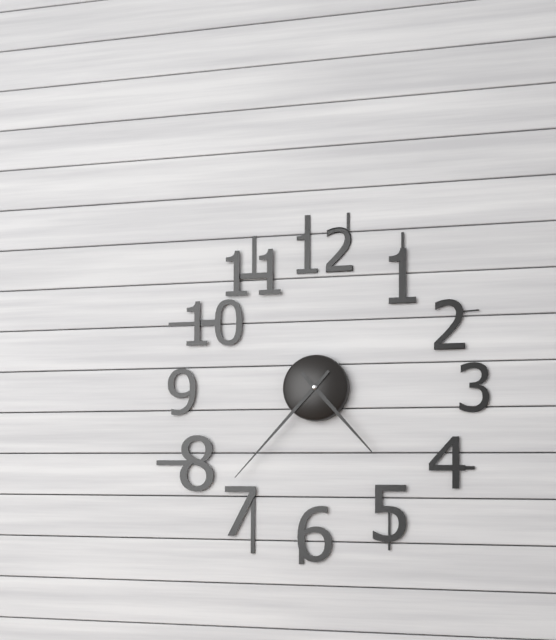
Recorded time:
h=4 m=37
